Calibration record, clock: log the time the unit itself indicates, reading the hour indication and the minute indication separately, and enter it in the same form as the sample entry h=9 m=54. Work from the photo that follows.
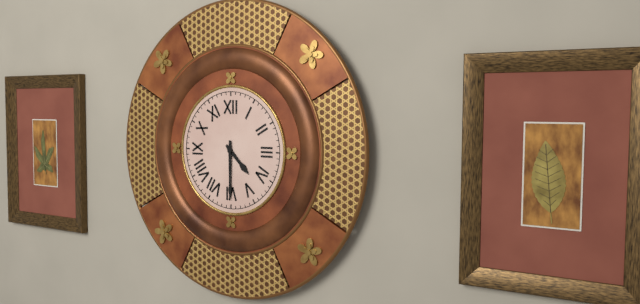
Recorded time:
h=4 m=30
